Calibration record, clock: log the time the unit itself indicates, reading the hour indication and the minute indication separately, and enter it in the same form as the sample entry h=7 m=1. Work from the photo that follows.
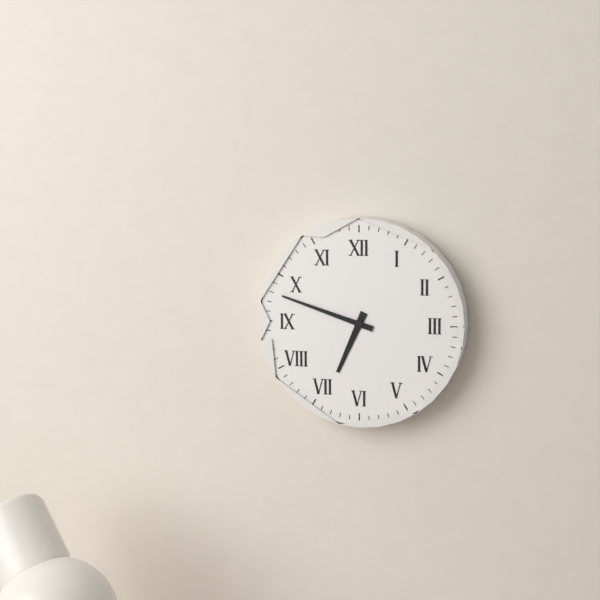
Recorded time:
h=6 m=48
